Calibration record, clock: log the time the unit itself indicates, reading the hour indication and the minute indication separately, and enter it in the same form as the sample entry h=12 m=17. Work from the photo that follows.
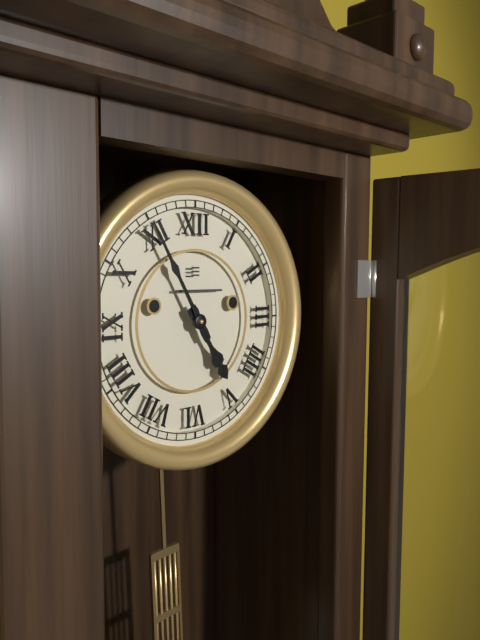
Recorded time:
h=4 m=55
